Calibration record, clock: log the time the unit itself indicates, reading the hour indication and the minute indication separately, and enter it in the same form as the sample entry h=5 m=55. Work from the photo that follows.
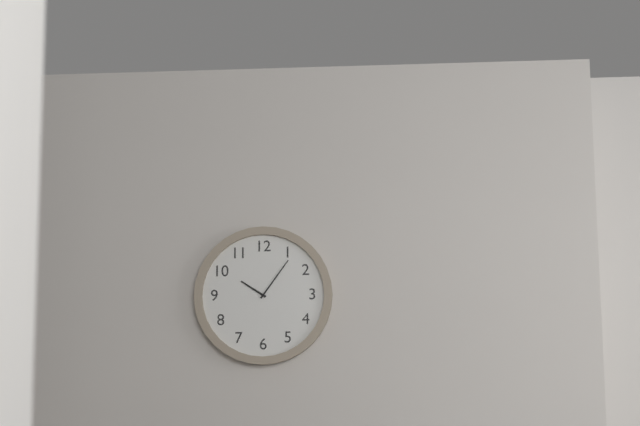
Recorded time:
h=10 m=6
